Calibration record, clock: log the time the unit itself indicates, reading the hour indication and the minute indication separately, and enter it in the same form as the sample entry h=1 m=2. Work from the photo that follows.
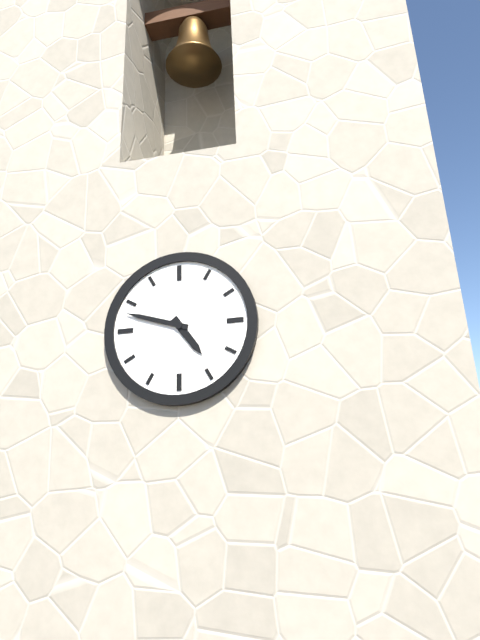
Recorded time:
h=4 m=48
